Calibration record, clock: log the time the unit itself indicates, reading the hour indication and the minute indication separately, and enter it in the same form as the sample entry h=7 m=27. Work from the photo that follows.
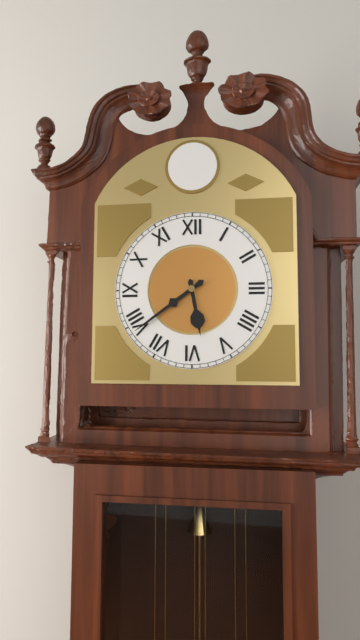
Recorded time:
h=5 m=39
